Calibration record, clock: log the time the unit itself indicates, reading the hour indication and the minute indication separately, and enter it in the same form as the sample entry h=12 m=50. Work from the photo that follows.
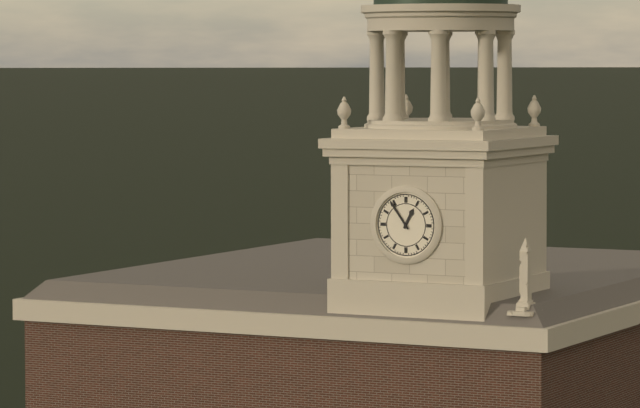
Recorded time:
h=12 m=54
